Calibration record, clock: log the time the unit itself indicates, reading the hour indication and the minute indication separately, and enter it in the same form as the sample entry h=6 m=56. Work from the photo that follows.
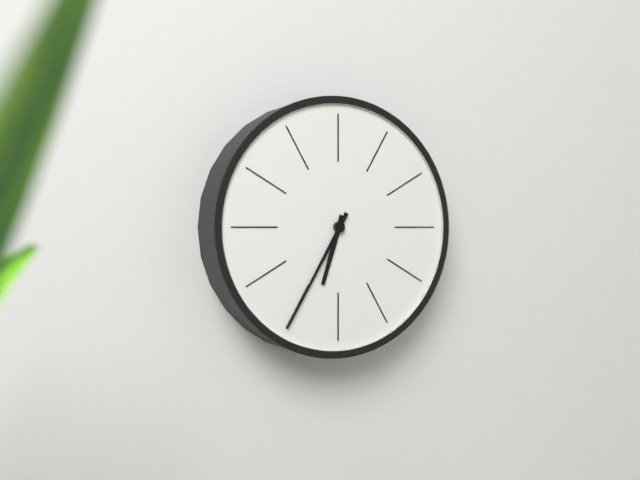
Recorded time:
h=6 m=35
